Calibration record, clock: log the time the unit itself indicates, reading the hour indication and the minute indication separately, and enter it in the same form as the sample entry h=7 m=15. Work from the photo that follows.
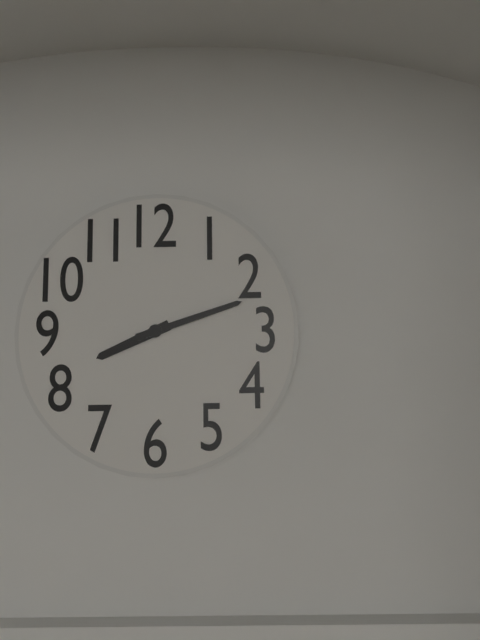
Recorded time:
h=8 m=12
